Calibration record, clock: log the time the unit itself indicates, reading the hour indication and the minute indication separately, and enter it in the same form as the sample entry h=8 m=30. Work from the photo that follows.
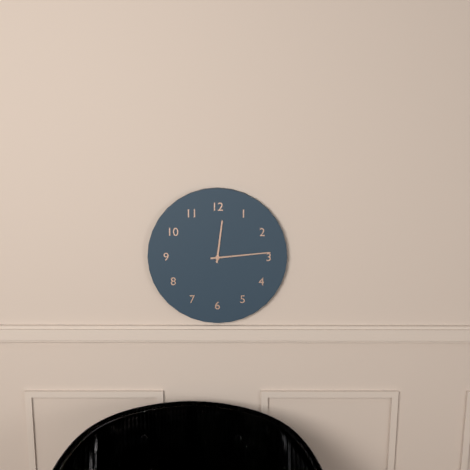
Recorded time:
h=12 m=14
